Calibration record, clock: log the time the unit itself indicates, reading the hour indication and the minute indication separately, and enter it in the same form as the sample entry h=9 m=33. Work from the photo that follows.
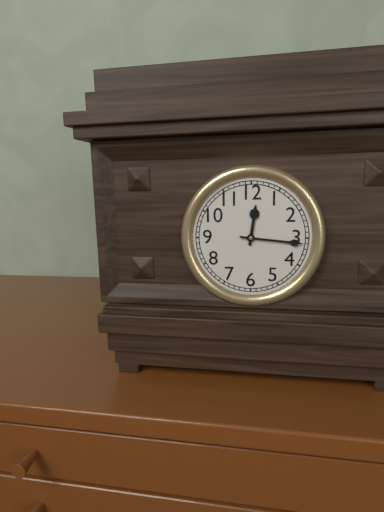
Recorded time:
h=12 m=16
